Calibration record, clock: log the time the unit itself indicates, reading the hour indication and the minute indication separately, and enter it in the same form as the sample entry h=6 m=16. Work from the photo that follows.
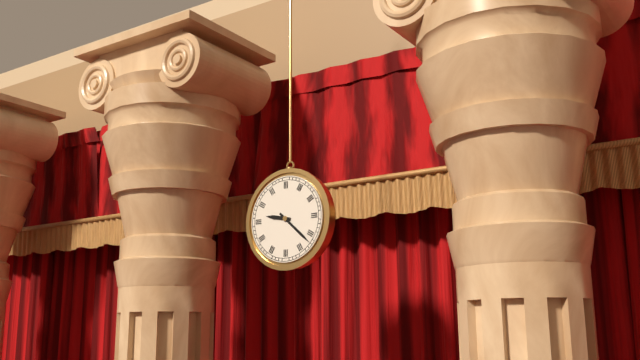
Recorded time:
h=9 m=22
